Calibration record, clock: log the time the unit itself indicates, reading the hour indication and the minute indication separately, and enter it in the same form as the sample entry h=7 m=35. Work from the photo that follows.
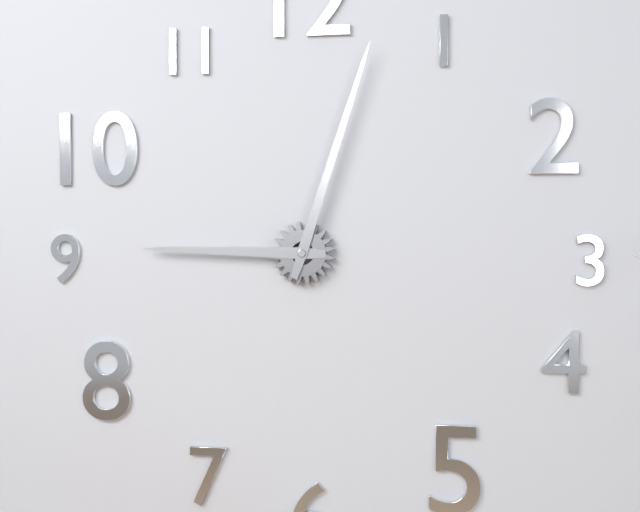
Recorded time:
h=9 m=3
